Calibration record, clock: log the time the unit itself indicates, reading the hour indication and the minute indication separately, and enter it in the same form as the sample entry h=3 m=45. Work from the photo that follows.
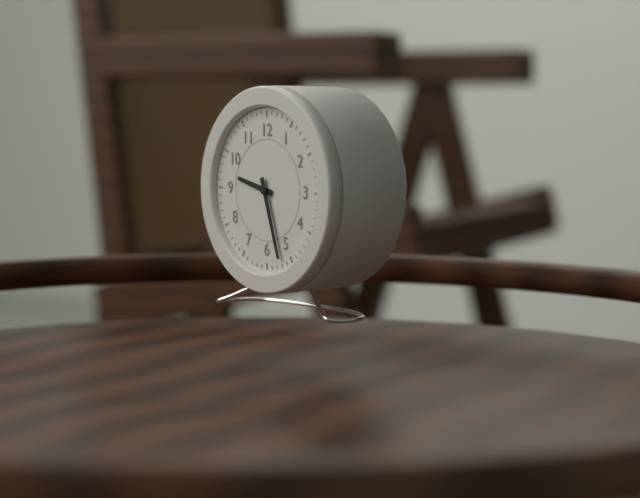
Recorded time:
h=9 m=27
